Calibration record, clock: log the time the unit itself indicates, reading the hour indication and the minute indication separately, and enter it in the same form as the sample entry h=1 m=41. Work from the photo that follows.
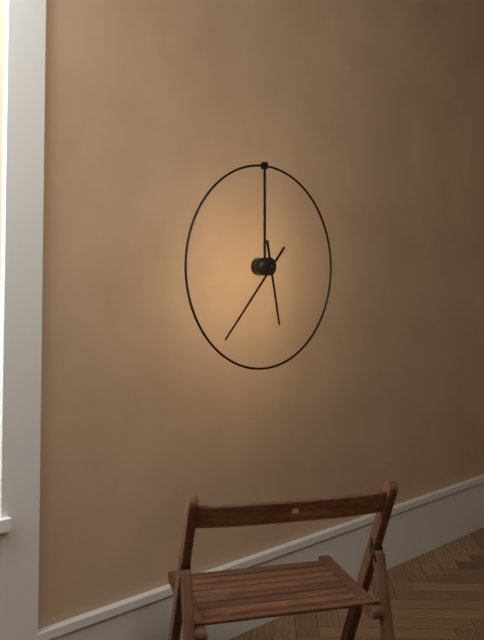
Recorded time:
h=5 m=37
